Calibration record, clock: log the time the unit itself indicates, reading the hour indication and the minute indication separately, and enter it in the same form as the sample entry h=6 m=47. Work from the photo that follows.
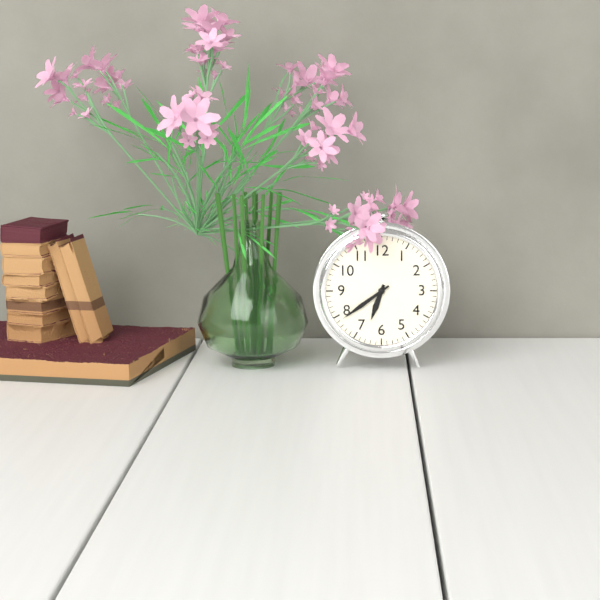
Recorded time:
h=6 m=39
